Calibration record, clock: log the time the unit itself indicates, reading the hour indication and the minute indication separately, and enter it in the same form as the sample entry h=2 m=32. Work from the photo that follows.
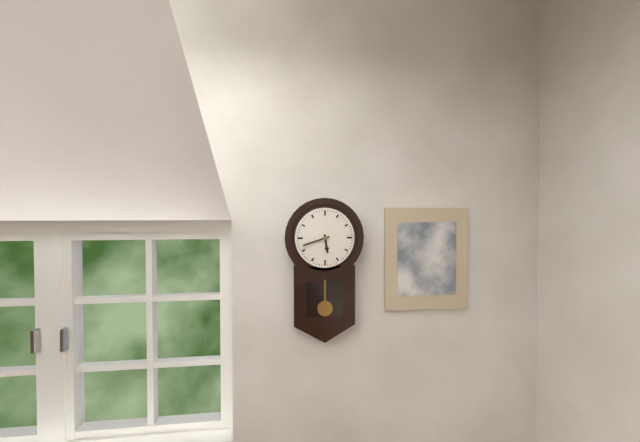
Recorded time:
h=5 m=42
